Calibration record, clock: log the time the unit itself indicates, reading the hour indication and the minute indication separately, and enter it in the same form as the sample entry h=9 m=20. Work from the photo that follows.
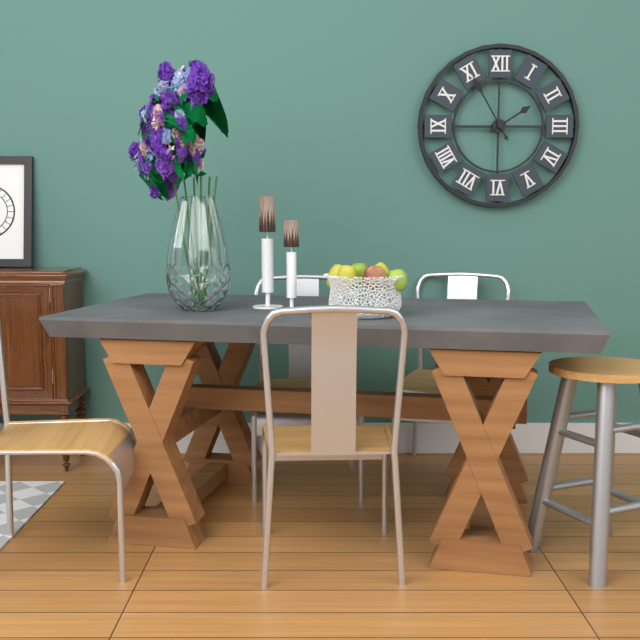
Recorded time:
h=1 m=55
